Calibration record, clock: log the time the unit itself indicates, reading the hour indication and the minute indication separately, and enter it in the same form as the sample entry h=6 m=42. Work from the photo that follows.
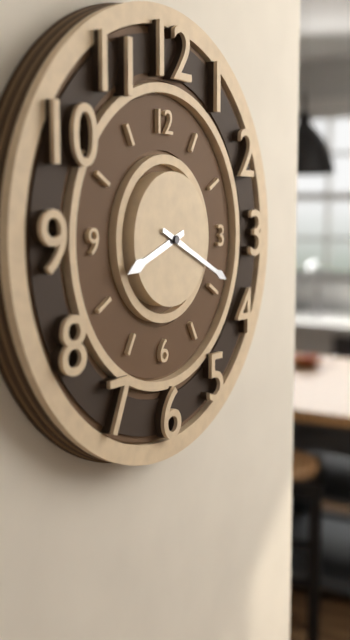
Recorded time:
h=8 m=19
